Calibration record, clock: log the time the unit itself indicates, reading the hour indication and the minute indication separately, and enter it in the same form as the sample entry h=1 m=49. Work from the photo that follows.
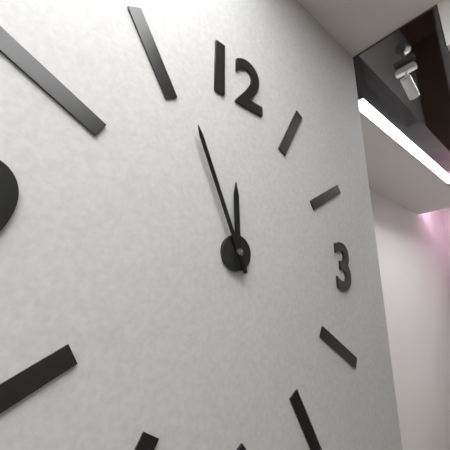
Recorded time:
h=11 m=56
